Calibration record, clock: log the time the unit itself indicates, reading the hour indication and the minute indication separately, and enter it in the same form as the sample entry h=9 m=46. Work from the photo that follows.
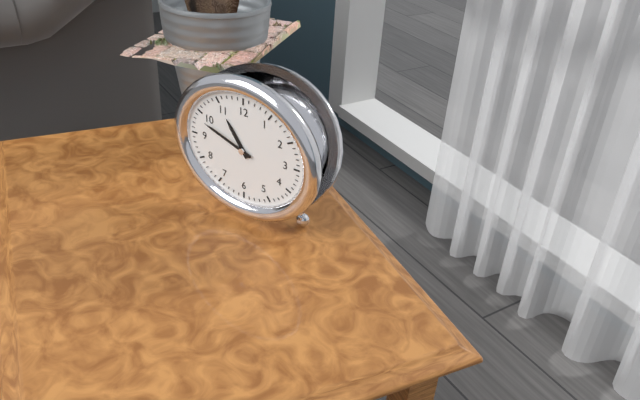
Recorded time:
h=10 m=48
